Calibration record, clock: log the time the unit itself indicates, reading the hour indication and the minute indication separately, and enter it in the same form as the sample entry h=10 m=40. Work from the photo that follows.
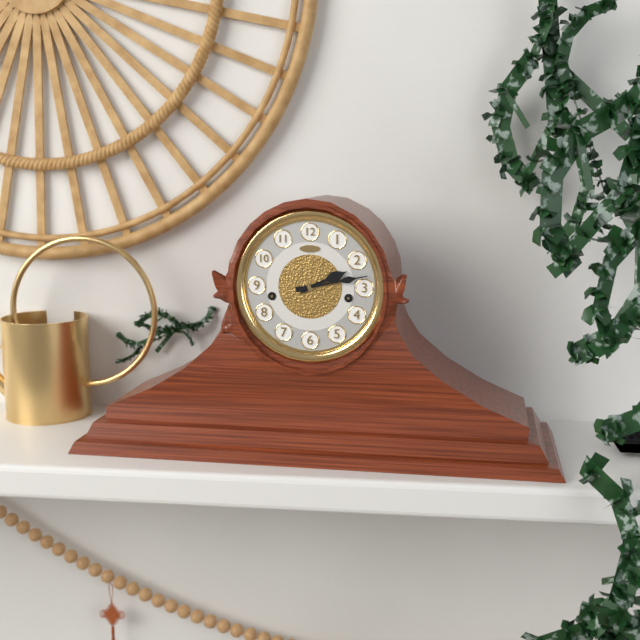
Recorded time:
h=2 m=13
